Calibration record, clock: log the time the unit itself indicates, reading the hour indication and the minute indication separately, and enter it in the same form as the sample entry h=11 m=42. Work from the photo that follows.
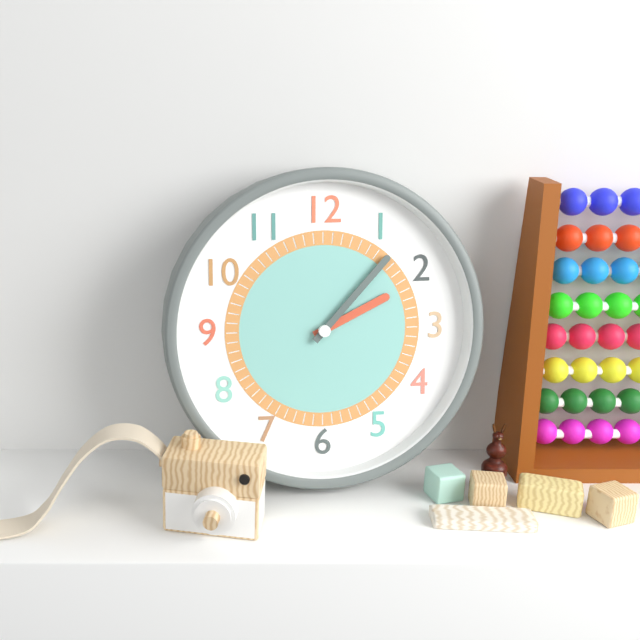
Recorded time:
h=2 m=7
